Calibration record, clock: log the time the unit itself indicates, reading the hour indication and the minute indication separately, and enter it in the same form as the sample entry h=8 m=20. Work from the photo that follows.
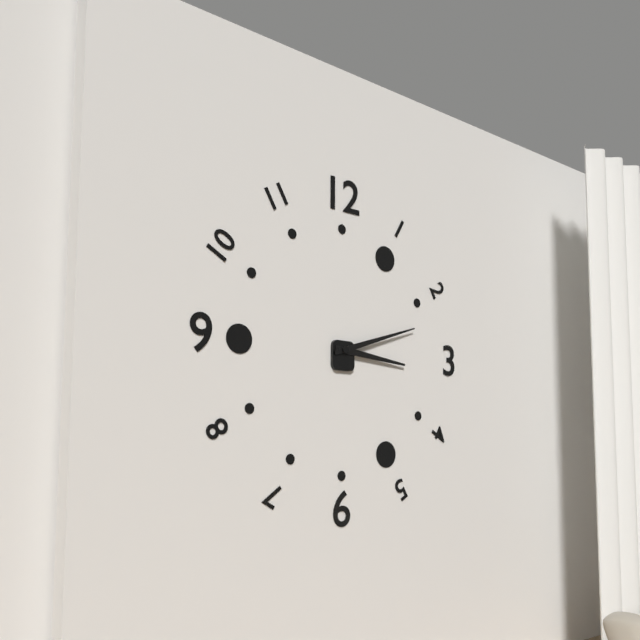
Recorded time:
h=3 m=12
